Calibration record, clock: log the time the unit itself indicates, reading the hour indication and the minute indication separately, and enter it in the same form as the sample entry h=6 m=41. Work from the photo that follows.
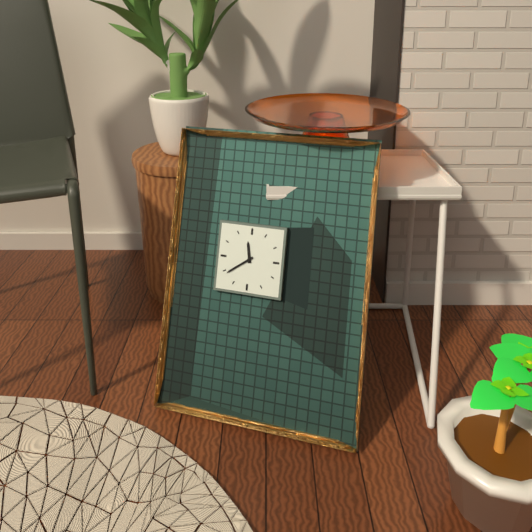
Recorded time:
h=11 m=39
